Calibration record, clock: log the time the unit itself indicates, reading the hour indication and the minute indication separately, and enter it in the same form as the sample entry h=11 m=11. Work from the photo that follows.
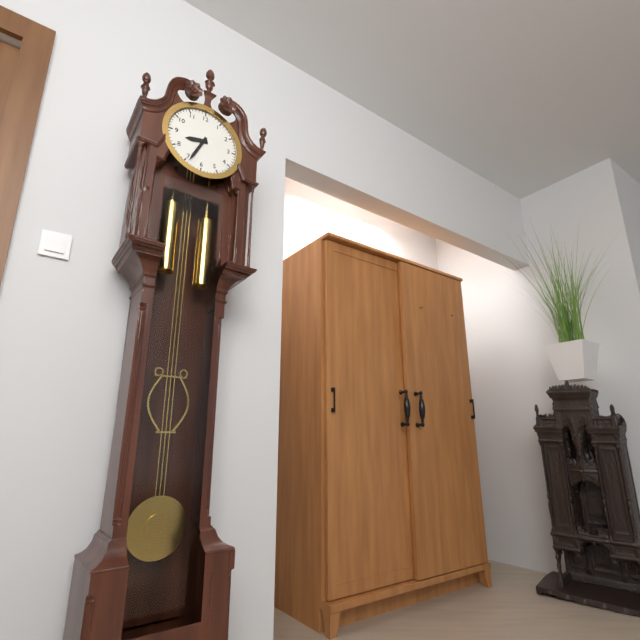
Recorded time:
h=8 m=34
